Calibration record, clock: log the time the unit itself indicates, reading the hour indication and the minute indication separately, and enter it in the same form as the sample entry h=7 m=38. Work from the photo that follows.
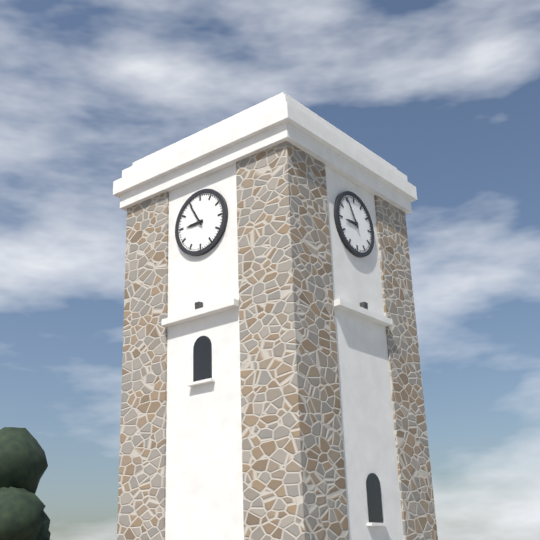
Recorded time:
h=8 m=55
